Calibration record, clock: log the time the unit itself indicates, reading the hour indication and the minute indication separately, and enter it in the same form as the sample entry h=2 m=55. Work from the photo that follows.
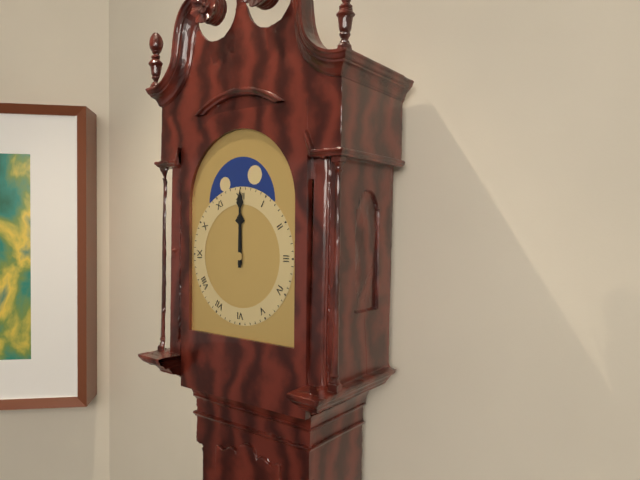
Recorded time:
h=12 m=0
